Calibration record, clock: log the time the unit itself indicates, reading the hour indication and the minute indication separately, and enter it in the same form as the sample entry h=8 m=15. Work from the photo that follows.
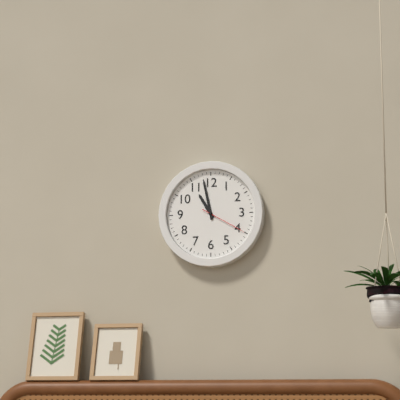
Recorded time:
h=10 m=58
